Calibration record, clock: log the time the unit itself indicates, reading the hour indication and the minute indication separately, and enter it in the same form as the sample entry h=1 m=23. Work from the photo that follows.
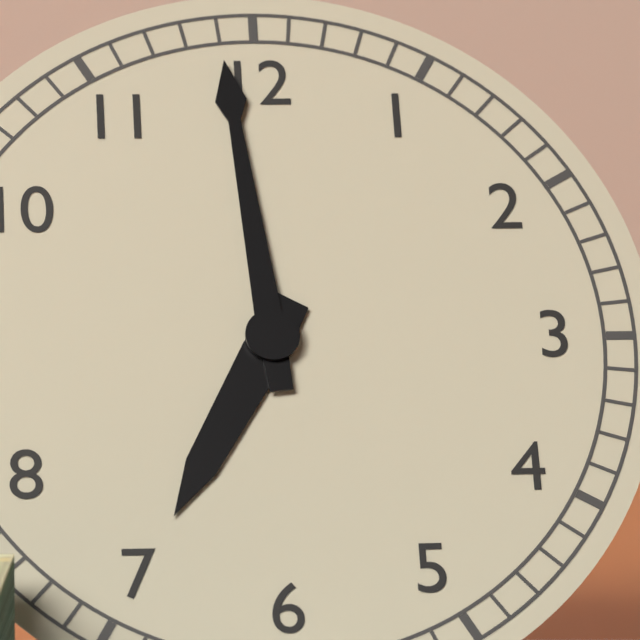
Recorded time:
h=6 m=59
